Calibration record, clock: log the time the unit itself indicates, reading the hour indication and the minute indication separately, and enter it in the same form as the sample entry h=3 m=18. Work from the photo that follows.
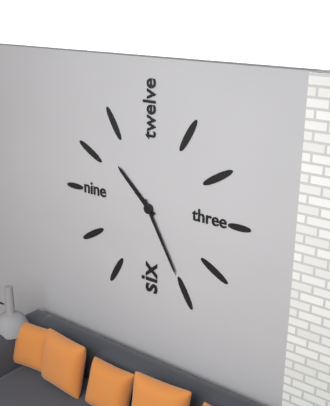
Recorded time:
h=10 m=25
